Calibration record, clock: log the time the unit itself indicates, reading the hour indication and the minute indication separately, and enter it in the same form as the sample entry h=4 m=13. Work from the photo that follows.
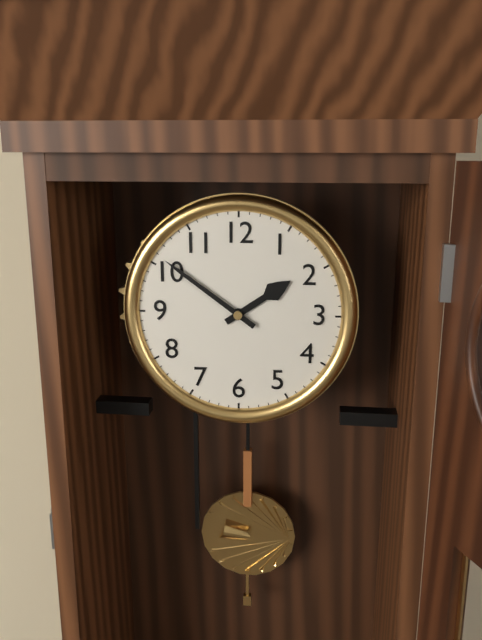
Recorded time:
h=1 m=51
